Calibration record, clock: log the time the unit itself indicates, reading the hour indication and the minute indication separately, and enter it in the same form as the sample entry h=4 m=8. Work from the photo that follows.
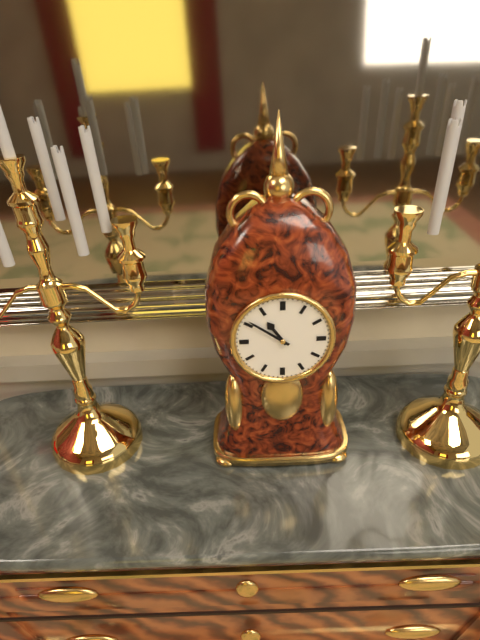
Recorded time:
h=10 m=51
